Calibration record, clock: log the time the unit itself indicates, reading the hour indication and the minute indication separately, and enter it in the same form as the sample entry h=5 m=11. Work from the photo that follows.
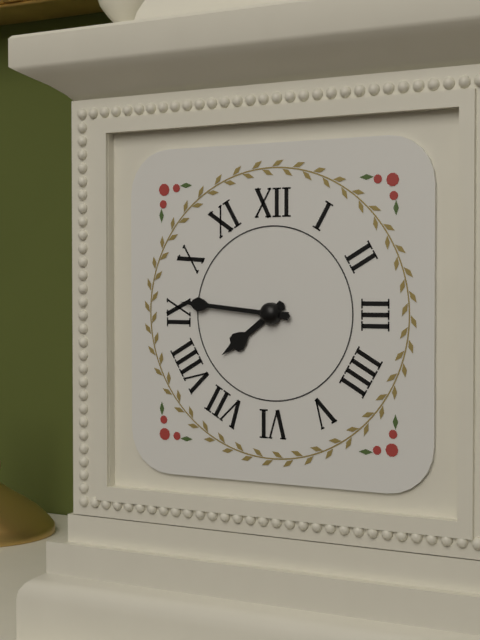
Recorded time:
h=7 m=46
